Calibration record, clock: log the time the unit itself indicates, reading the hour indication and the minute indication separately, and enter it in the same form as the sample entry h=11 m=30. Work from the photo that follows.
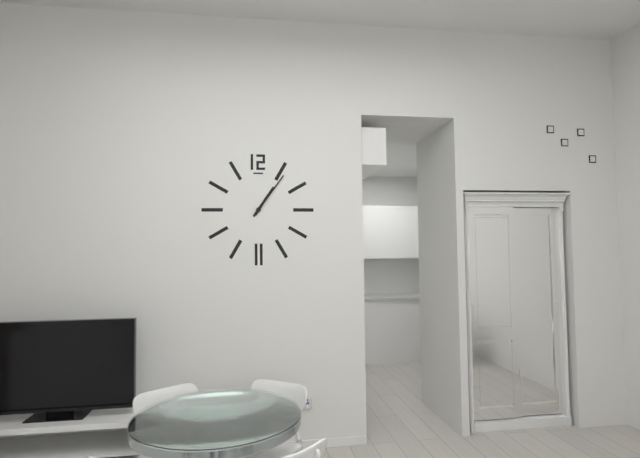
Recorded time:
h=1 m=6
